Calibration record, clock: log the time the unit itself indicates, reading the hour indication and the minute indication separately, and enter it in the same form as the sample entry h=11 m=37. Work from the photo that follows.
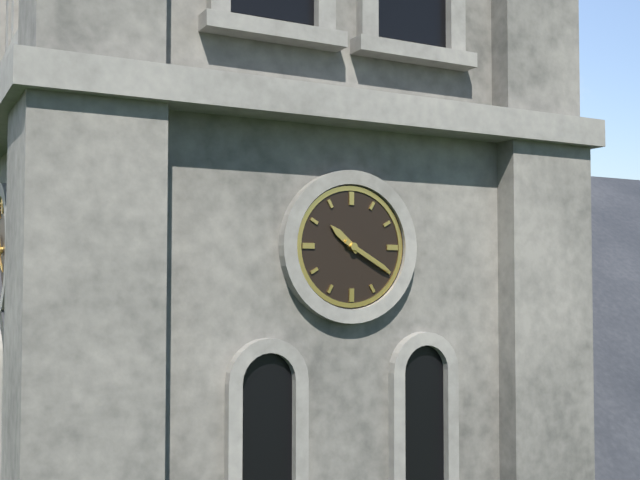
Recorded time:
h=10 m=20
